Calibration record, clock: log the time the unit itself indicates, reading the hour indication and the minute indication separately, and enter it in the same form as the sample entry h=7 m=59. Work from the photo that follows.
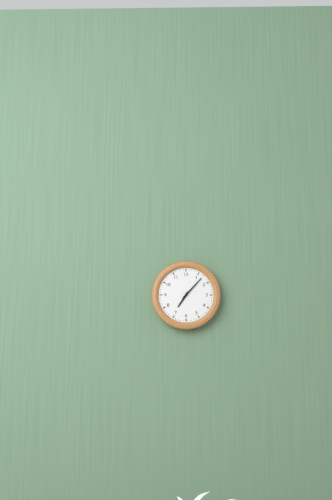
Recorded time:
h=7 m=7
